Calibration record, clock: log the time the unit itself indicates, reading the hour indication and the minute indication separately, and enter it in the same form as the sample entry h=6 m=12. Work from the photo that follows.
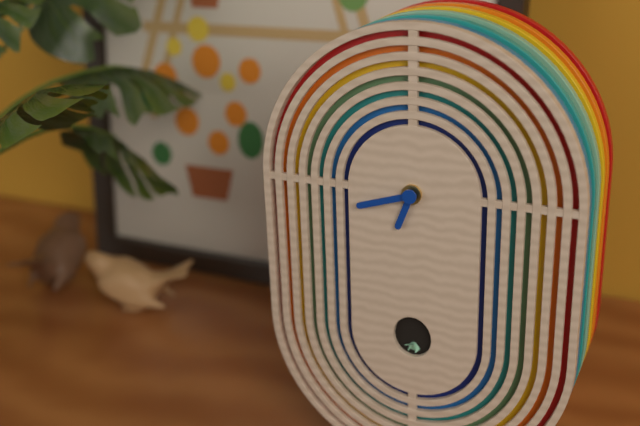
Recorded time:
h=6 m=42
